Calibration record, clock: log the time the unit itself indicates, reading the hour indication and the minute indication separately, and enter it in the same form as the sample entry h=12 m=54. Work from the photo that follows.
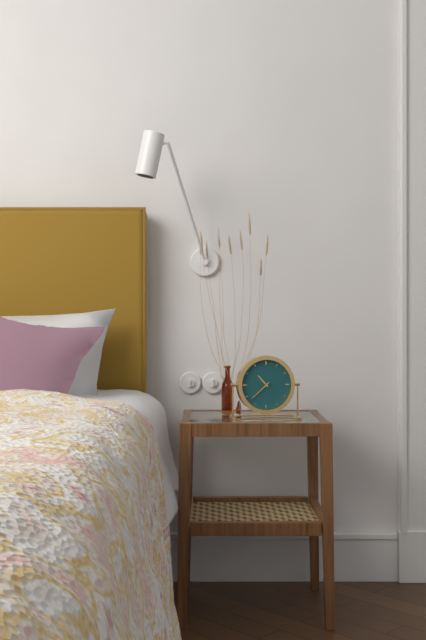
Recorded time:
h=10 m=38
